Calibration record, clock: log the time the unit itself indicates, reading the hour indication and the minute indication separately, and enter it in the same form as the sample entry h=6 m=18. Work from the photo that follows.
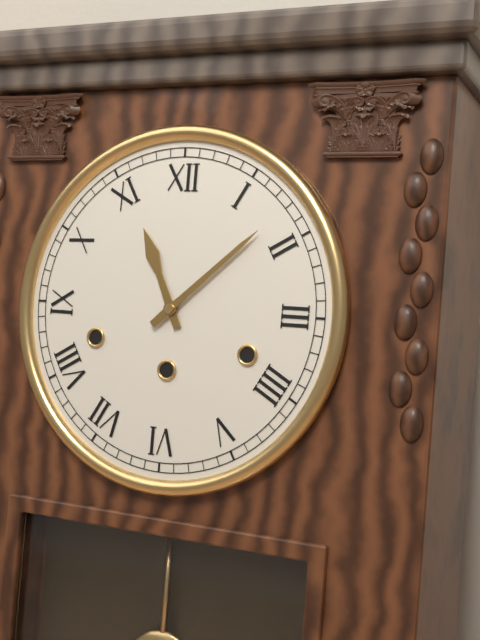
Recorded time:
h=11 m=8
